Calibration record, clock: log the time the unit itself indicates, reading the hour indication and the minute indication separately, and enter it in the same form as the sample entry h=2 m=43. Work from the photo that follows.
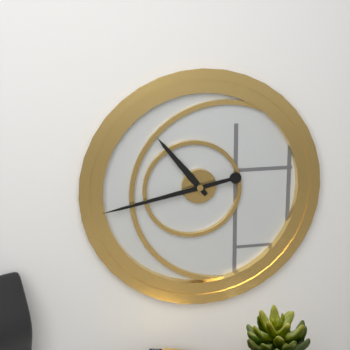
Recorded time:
h=10 m=43
